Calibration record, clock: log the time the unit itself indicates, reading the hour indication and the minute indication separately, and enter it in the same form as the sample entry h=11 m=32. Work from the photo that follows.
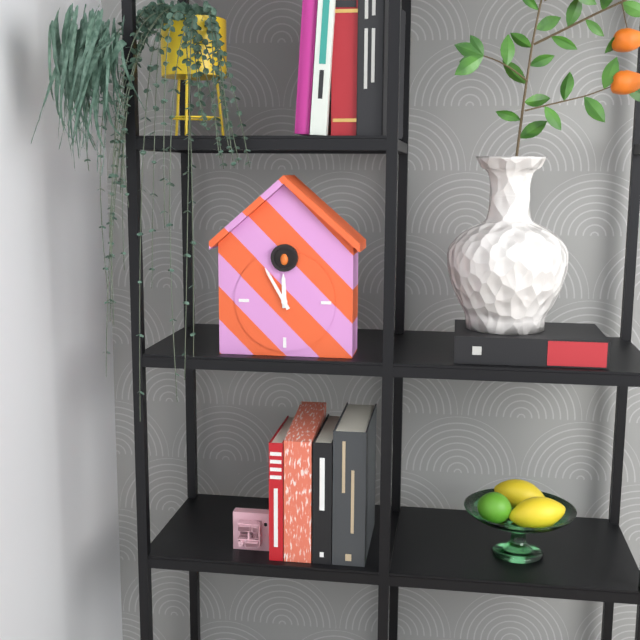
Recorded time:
h=11 m=55
